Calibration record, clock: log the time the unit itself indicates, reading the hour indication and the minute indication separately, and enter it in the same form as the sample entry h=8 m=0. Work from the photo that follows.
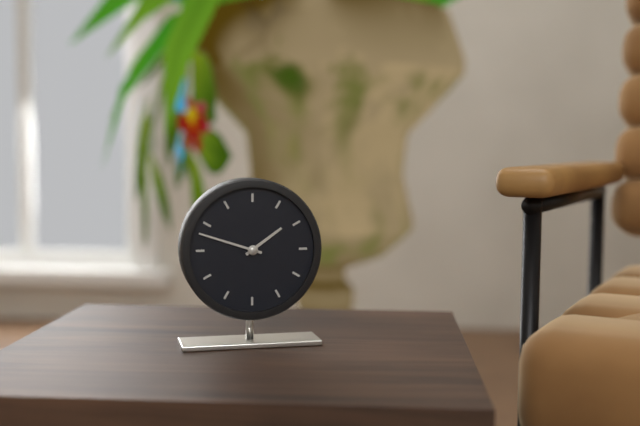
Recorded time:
h=1 m=48
